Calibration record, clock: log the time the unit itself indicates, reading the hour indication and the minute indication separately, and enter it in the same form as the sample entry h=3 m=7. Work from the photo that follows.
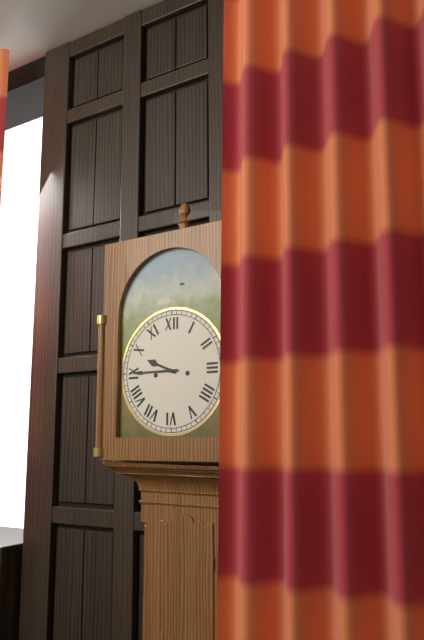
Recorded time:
h=9 m=45
